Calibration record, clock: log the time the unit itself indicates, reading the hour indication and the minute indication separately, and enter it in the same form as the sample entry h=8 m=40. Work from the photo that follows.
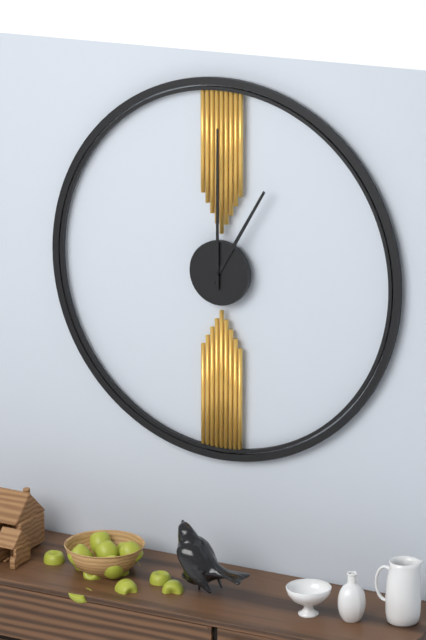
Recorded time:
h=1 m=0
